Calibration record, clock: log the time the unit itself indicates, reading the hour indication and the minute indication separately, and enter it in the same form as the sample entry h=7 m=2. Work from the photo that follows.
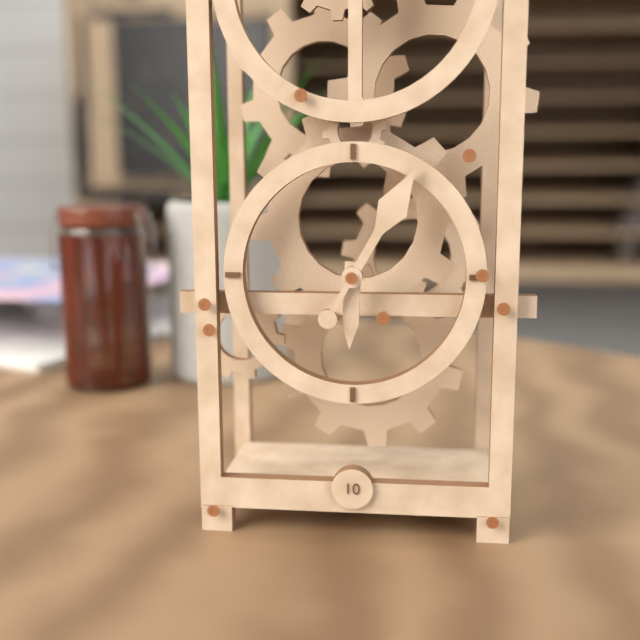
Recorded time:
h=6 m=5
